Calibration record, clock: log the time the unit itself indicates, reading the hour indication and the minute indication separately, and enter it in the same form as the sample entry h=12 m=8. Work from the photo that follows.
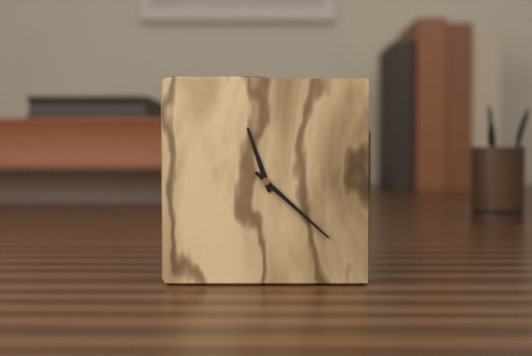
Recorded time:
h=11 m=22
